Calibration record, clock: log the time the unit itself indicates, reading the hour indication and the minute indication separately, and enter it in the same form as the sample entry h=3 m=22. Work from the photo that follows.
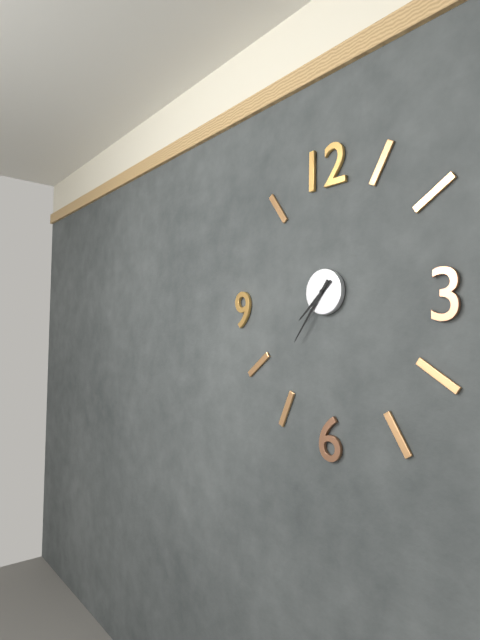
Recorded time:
h=7 m=36
